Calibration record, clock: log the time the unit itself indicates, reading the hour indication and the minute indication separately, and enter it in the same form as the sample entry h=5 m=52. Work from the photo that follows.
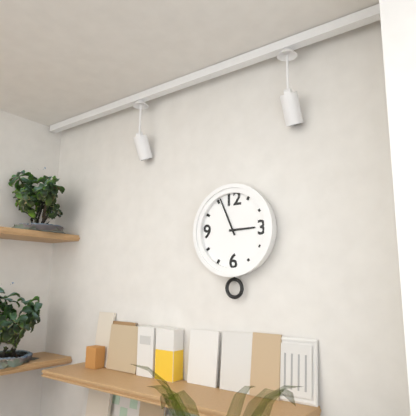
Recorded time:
h=2 m=56
